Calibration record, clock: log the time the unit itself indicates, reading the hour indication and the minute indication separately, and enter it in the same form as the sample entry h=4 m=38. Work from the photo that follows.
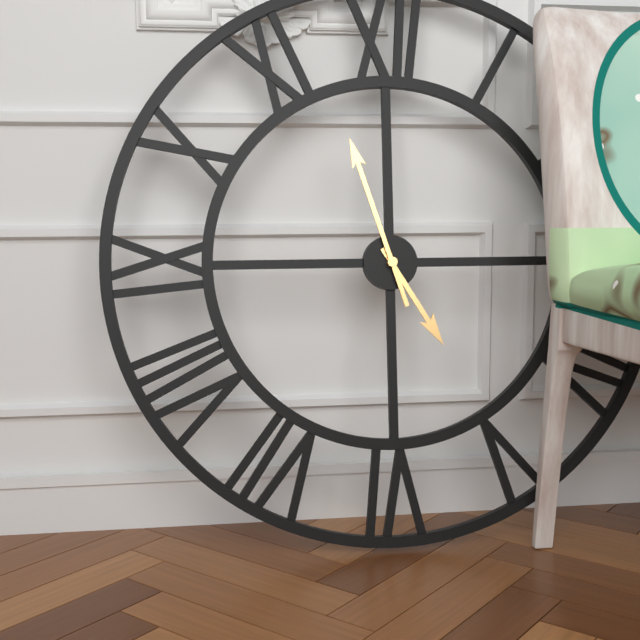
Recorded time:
h=4 m=57
